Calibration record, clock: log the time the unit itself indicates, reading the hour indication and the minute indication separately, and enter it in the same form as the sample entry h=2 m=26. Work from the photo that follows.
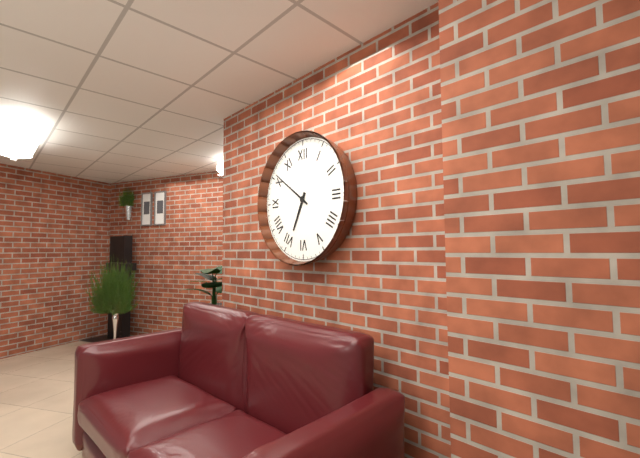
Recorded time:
h=6 m=51
